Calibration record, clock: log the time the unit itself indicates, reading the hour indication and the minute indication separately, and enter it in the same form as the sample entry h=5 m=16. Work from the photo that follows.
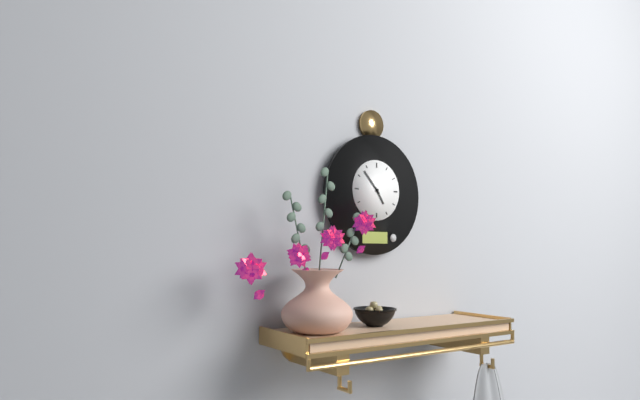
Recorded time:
h=4 m=53
